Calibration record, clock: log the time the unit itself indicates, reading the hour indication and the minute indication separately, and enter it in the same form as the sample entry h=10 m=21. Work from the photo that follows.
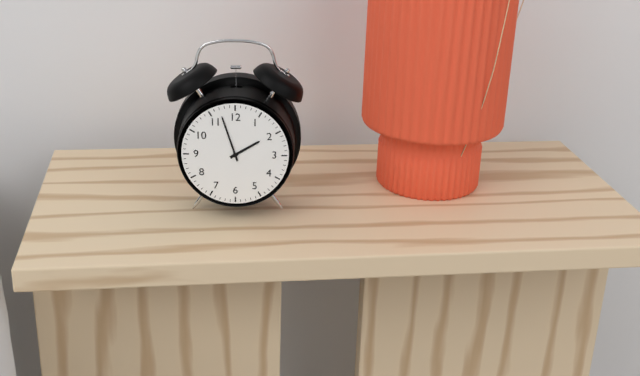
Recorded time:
h=1 m=57
